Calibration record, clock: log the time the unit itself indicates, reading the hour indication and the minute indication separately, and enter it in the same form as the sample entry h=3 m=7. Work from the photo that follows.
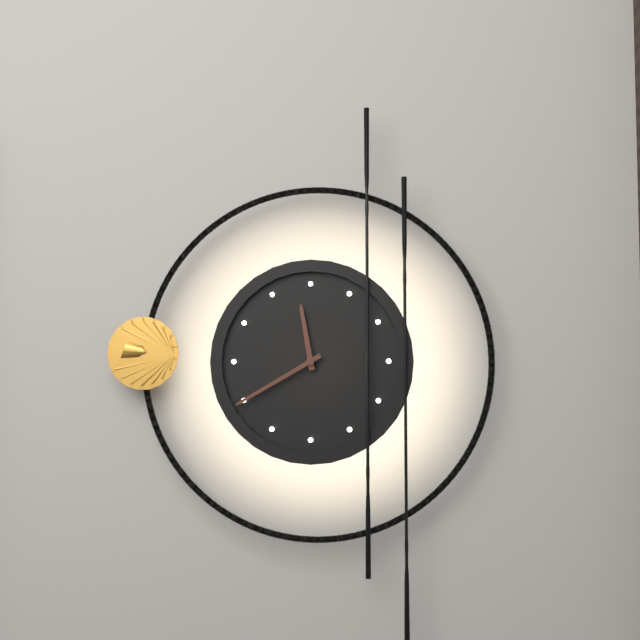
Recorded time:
h=11 m=40
